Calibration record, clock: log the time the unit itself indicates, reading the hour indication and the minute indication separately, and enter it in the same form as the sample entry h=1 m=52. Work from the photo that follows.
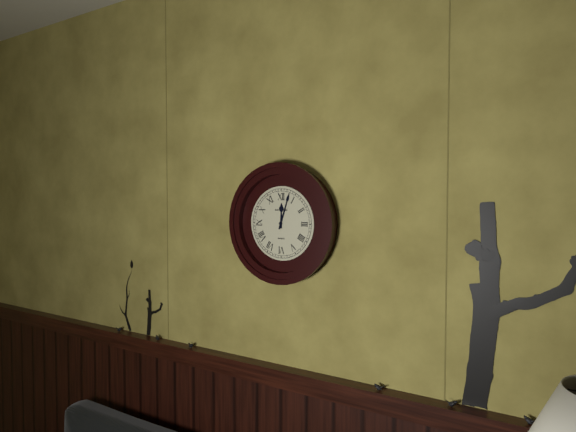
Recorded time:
h=12 m=3
